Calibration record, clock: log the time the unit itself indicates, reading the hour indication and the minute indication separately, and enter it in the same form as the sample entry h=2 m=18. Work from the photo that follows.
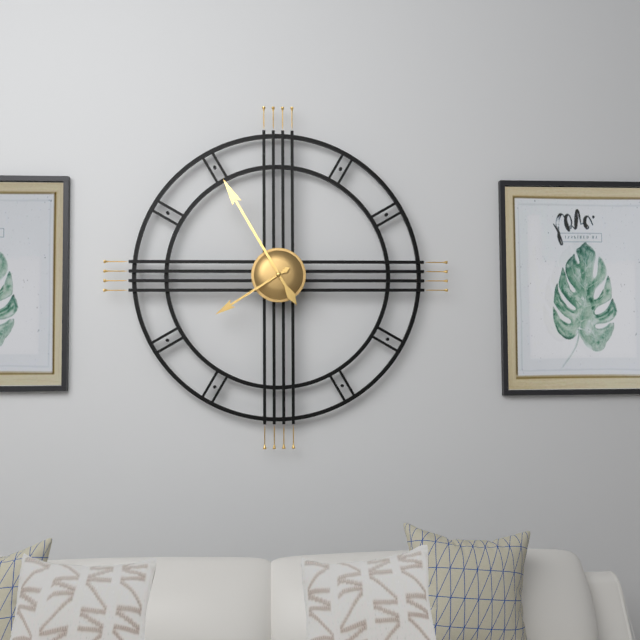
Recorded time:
h=7 m=55
